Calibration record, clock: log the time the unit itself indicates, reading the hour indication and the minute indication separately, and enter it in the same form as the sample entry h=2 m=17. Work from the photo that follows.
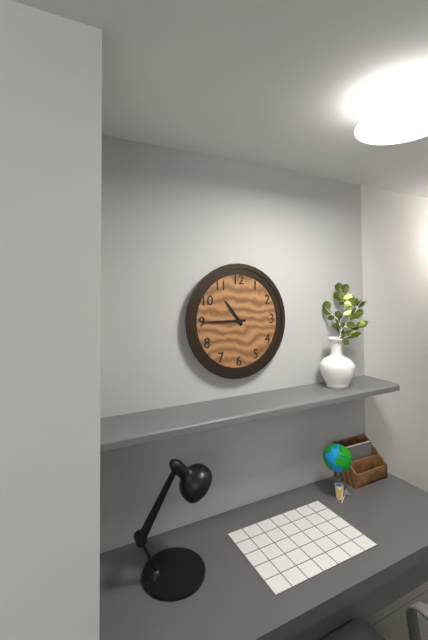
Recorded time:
h=10 m=45
